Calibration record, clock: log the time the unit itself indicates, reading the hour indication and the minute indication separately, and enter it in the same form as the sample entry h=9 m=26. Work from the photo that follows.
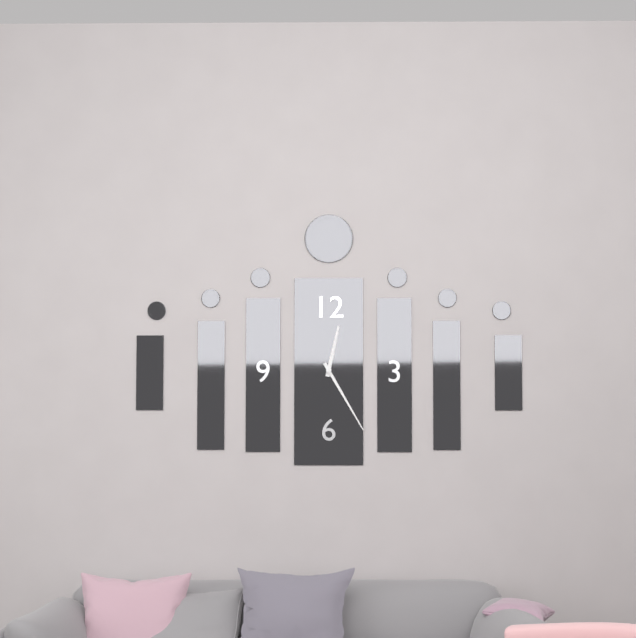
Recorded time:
h=12 m=25
